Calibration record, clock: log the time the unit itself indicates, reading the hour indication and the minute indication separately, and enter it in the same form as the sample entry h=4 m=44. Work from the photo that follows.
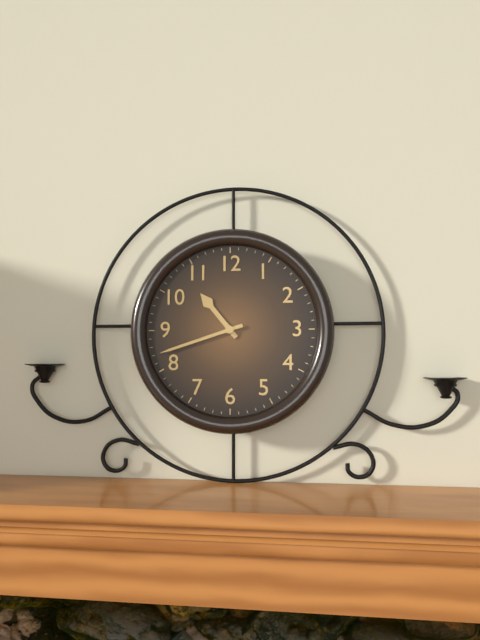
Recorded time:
h=10 m=42
